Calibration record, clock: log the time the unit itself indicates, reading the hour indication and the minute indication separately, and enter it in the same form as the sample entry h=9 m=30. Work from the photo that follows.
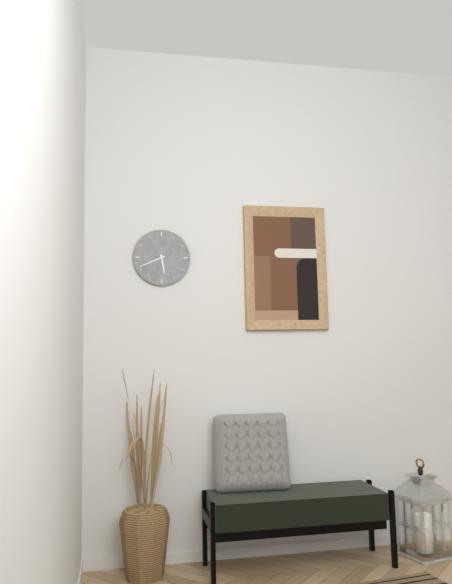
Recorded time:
h=5 m=41
